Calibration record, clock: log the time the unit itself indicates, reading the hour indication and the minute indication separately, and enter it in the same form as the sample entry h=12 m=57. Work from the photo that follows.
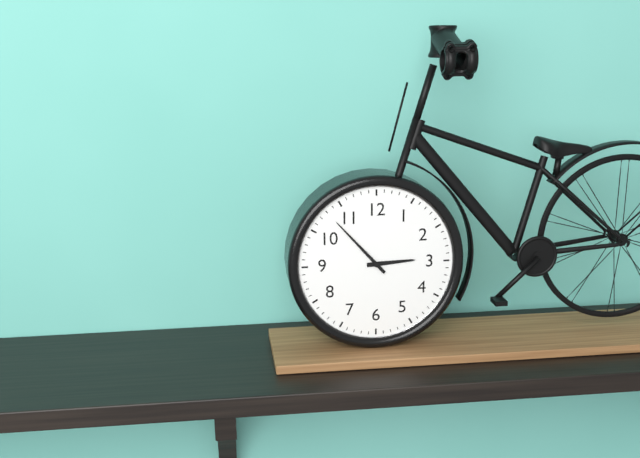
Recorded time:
h=2 m=53
